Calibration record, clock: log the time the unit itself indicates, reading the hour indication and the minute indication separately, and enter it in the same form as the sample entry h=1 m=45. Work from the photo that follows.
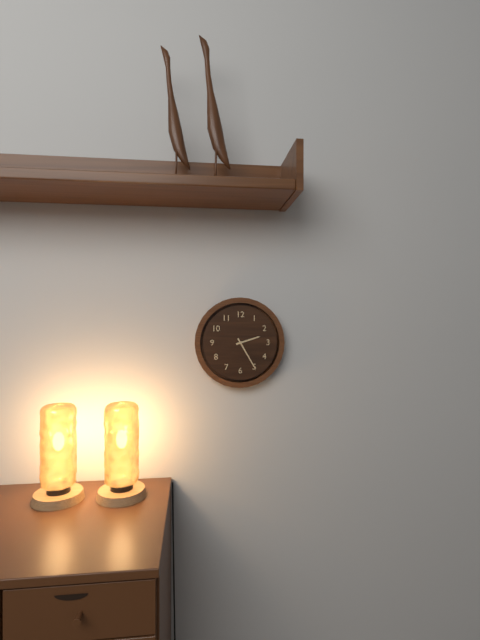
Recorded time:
h=2 m=25
